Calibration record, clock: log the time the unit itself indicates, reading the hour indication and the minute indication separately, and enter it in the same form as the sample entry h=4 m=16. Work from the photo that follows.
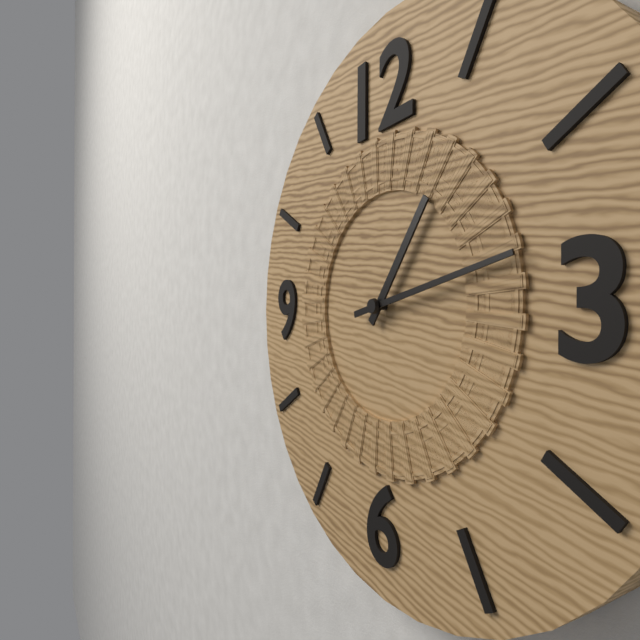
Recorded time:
h=1 m=13
